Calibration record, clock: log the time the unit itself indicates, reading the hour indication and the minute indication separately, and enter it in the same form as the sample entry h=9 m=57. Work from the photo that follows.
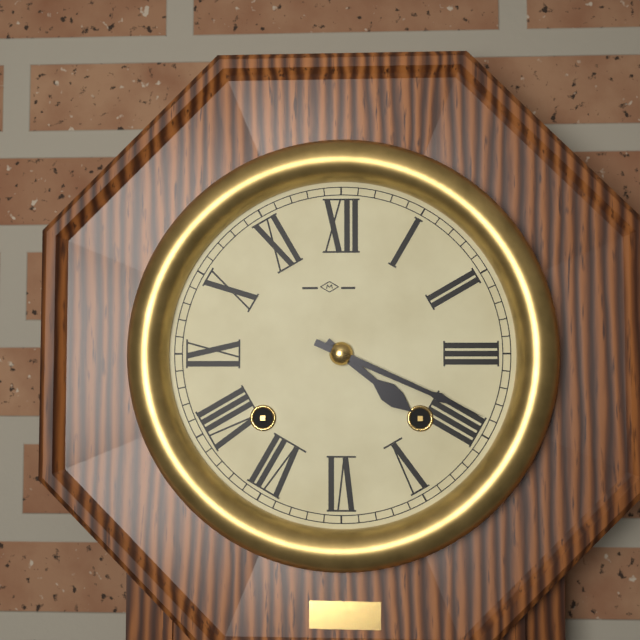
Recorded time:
h=4 m=19
